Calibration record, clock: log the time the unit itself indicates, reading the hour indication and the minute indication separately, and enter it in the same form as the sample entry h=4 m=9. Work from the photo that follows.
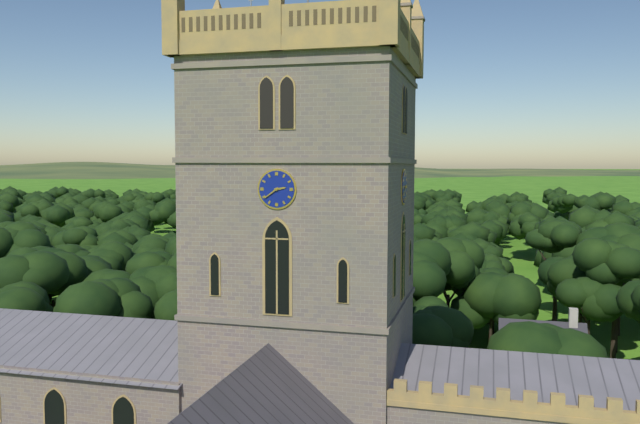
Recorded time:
h=2 m=39
